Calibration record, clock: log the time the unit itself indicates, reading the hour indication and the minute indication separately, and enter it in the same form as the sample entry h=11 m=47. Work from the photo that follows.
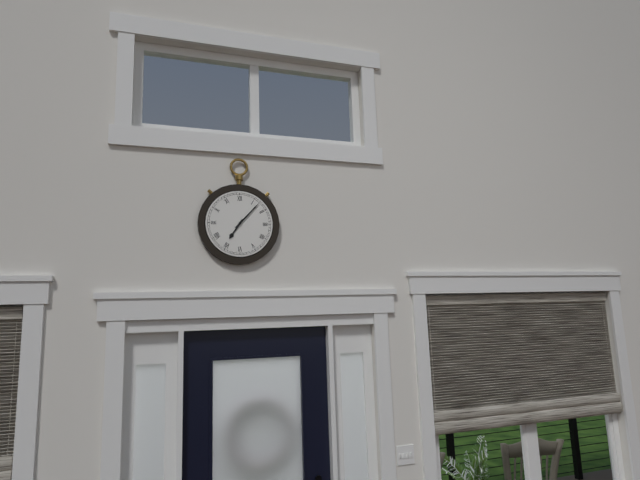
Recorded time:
h=7 m=7
